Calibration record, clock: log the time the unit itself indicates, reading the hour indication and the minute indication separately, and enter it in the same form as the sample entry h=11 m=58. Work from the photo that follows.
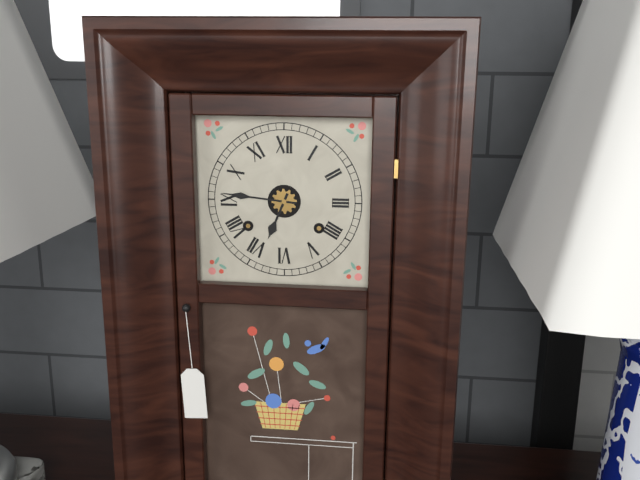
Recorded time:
h=6 m=46
